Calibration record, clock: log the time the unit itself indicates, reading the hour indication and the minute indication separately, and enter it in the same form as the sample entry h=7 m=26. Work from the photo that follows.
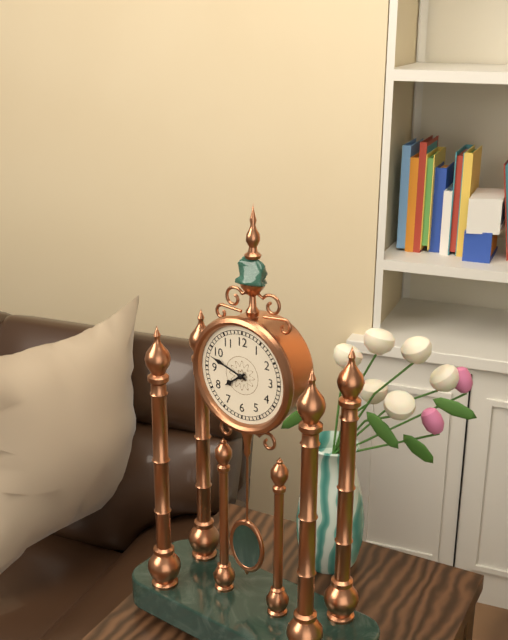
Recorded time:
h=7 m=48
